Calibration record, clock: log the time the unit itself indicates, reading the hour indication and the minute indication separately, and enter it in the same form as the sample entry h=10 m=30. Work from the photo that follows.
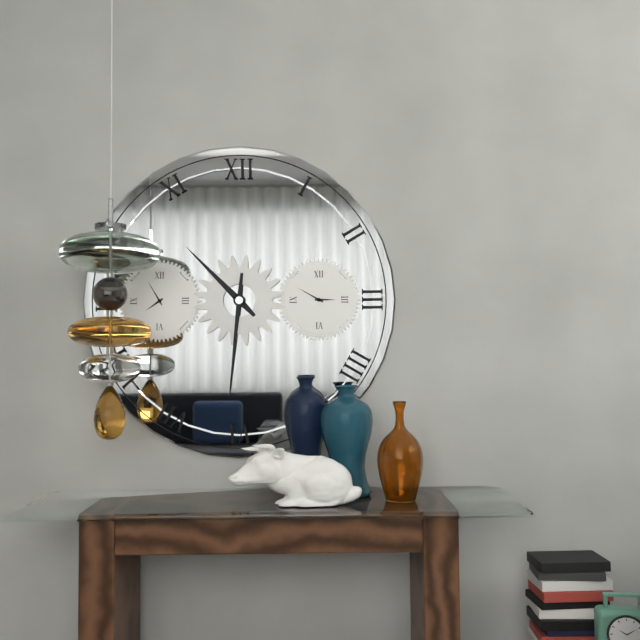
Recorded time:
h=10 m=31
